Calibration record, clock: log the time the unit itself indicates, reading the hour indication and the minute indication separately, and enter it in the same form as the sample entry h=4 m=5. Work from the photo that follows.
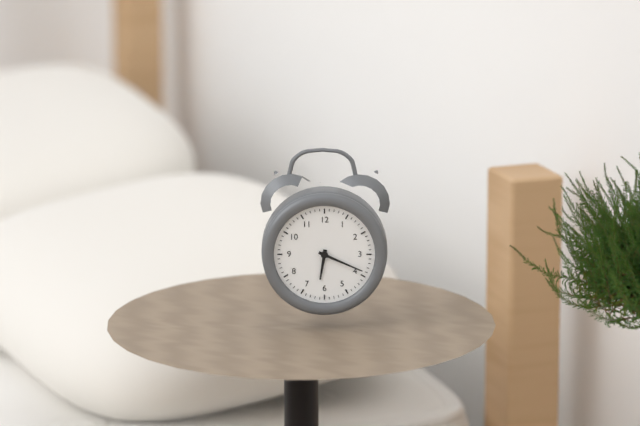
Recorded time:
h=6 m=19
